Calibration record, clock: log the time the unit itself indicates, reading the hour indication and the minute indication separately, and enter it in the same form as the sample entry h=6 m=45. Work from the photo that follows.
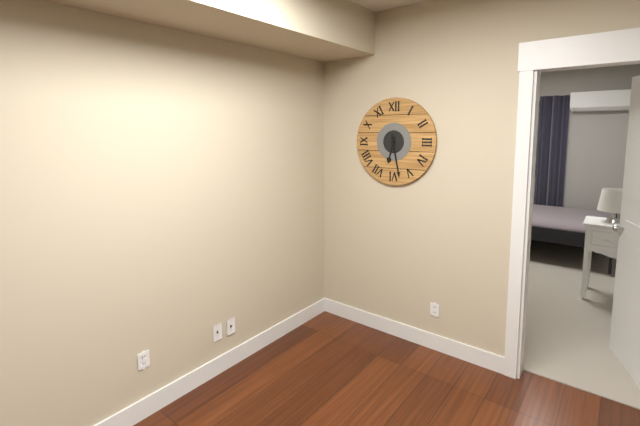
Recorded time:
h=6 m=28
